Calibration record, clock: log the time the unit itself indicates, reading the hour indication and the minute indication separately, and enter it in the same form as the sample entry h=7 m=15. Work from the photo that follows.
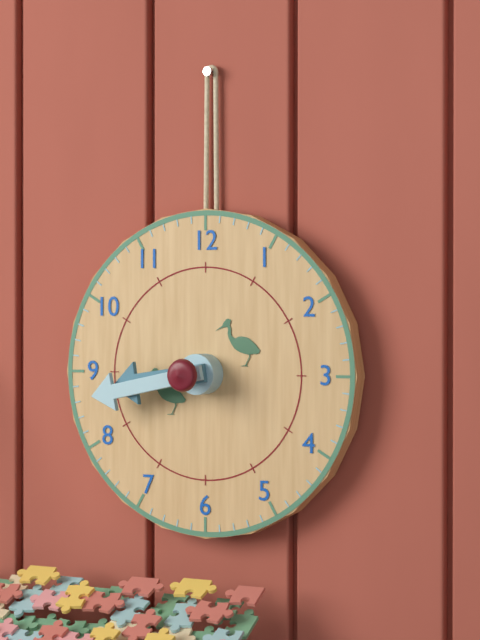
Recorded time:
h=8 m=43
